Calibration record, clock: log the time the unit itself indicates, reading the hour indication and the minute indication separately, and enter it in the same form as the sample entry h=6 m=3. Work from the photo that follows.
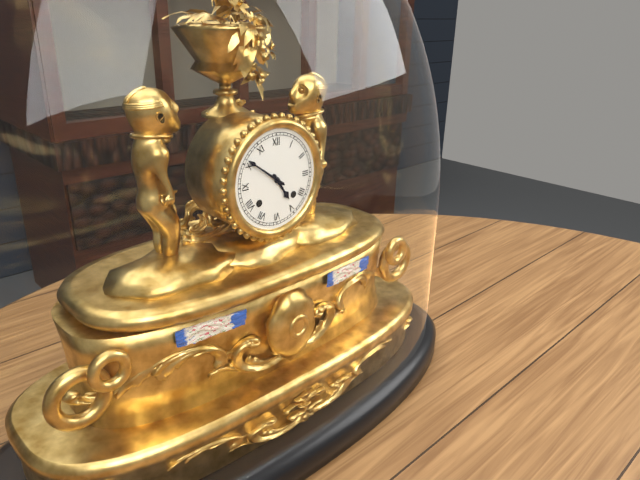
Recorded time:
h=4 m=51
